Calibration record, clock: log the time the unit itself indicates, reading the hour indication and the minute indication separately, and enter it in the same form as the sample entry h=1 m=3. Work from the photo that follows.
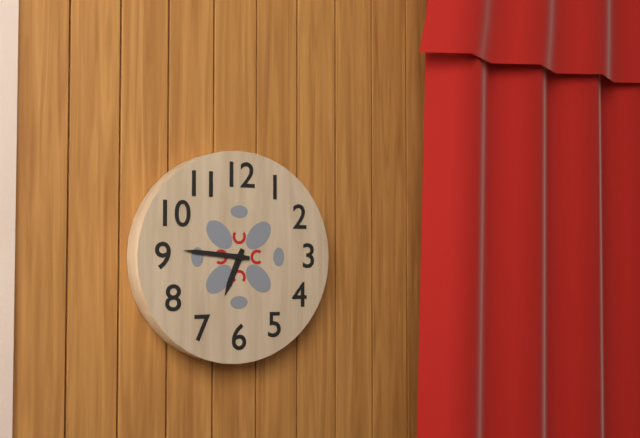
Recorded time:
h=6 m=46
